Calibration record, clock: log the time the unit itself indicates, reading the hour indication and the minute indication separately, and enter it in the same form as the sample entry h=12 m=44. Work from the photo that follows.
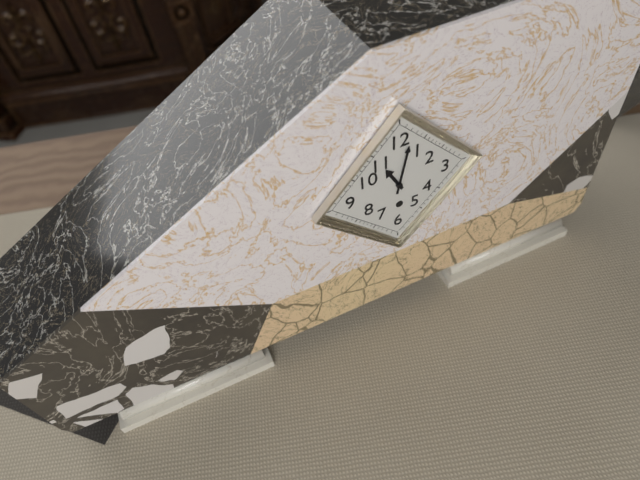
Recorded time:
h=11 m=2
